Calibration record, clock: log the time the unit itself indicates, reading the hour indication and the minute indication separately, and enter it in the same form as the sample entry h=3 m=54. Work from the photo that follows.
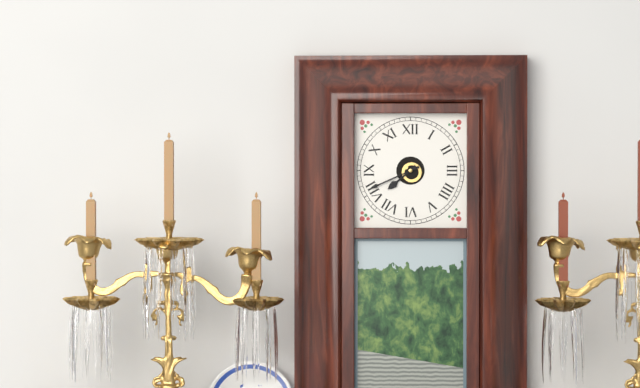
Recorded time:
h=7 m=41
